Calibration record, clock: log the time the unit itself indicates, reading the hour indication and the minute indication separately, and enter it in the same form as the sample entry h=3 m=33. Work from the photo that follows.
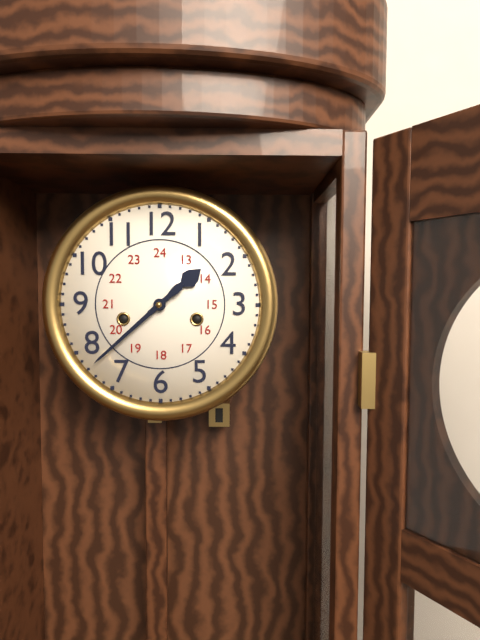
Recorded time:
h=1 m=38
